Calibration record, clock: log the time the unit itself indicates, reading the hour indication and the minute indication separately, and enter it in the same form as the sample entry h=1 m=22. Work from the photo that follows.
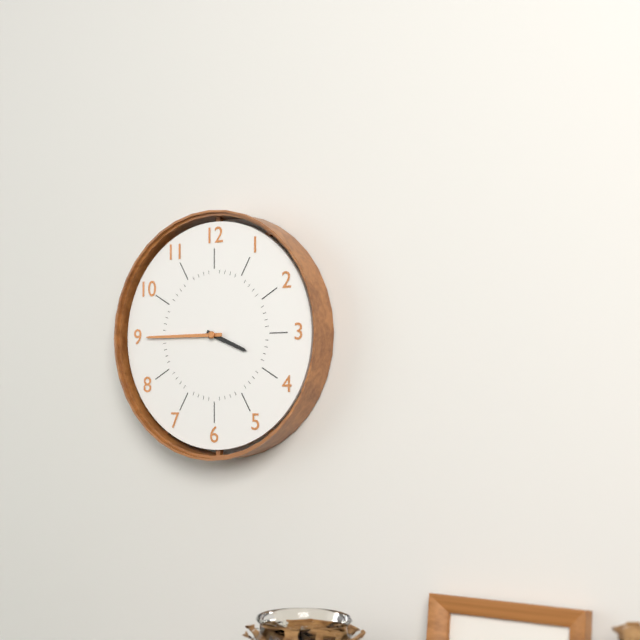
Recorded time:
h=3 m=45
